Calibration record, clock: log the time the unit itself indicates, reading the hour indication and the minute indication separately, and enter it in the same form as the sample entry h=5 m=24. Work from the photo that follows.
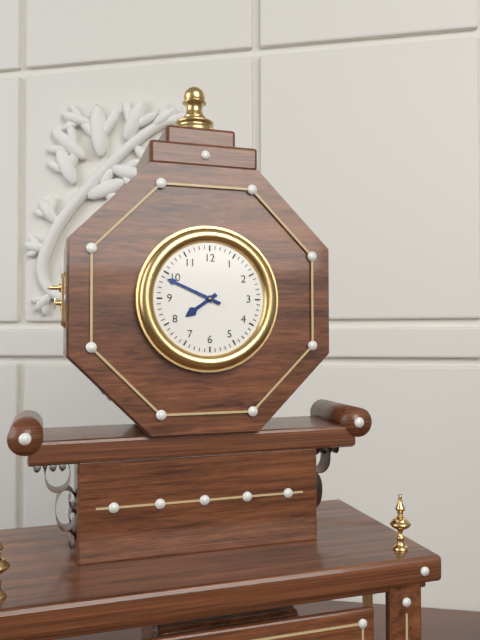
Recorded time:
h=7 m=49
